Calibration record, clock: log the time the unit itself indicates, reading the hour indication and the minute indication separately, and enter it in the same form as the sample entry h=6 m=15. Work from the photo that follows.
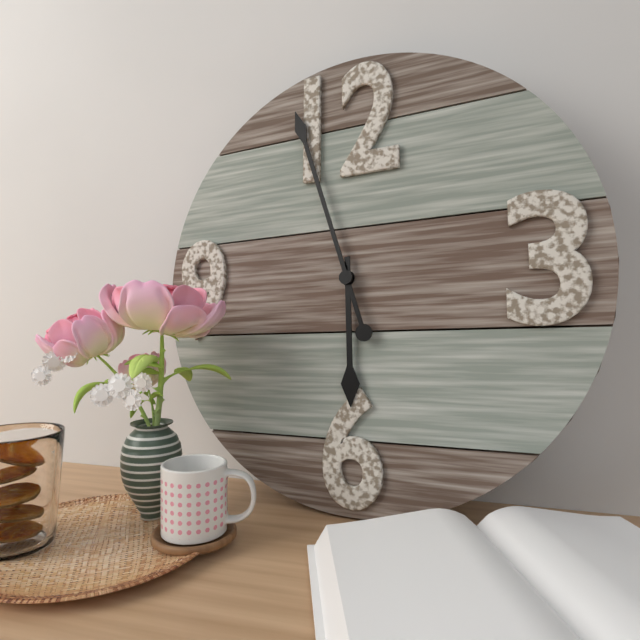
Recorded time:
h=5 m=57
